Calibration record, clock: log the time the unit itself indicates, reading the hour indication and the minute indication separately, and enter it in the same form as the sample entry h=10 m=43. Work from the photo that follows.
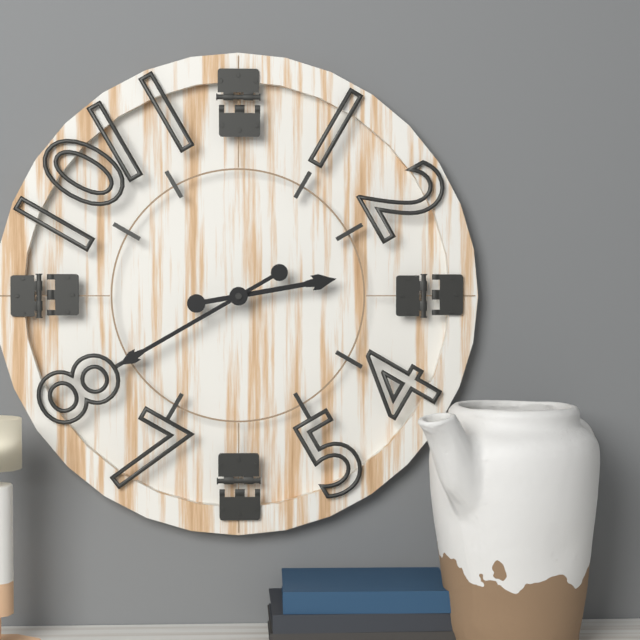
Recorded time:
h=2 m=40
